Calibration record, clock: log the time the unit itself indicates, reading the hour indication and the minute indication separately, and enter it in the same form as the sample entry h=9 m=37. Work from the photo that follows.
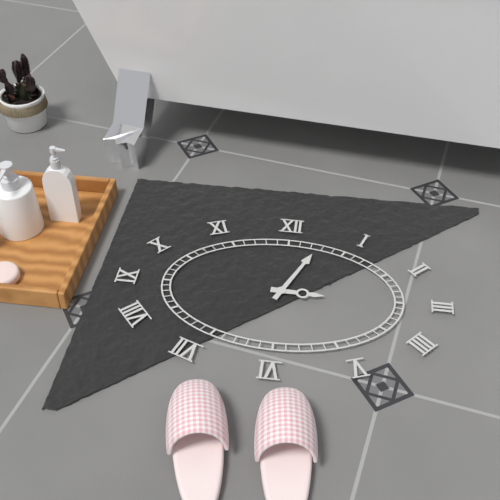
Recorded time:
h=3 m=4
